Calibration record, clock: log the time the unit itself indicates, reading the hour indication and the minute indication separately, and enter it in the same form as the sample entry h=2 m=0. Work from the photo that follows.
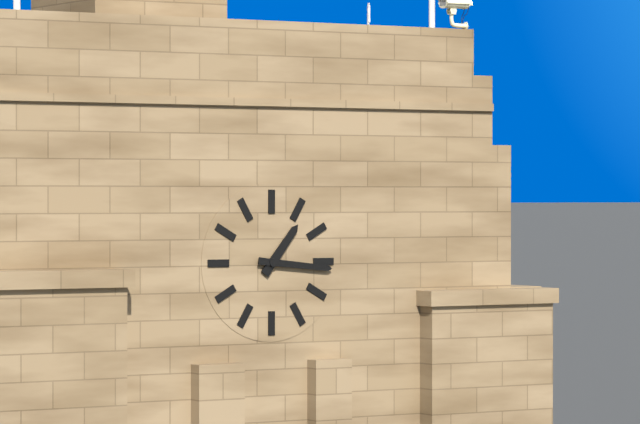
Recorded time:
h=1 m=16
